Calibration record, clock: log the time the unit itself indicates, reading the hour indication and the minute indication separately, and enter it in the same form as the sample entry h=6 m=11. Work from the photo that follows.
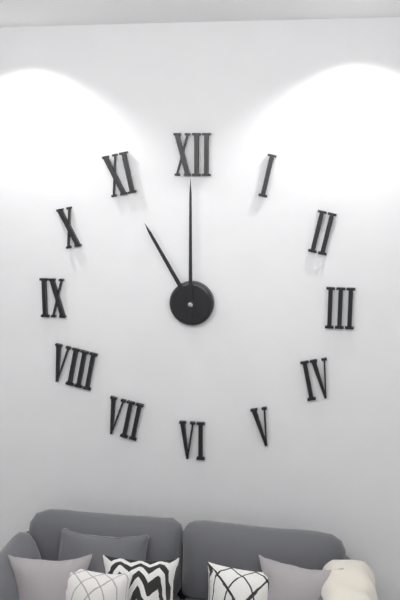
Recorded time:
h=11 m=0
